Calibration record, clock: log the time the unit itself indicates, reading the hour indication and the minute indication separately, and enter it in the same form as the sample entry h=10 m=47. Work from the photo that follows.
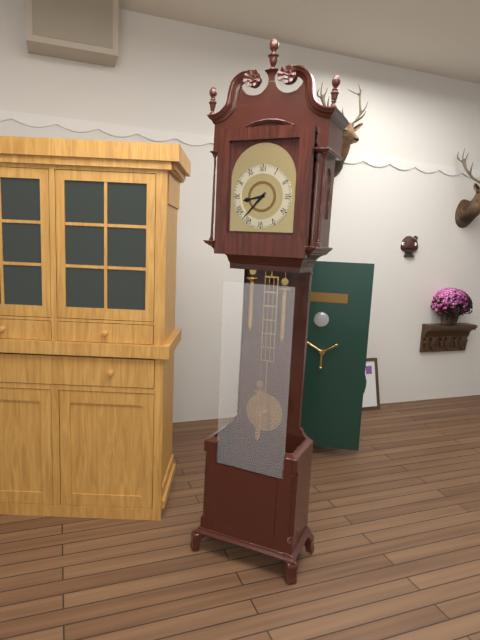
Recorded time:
h=8 m=37
